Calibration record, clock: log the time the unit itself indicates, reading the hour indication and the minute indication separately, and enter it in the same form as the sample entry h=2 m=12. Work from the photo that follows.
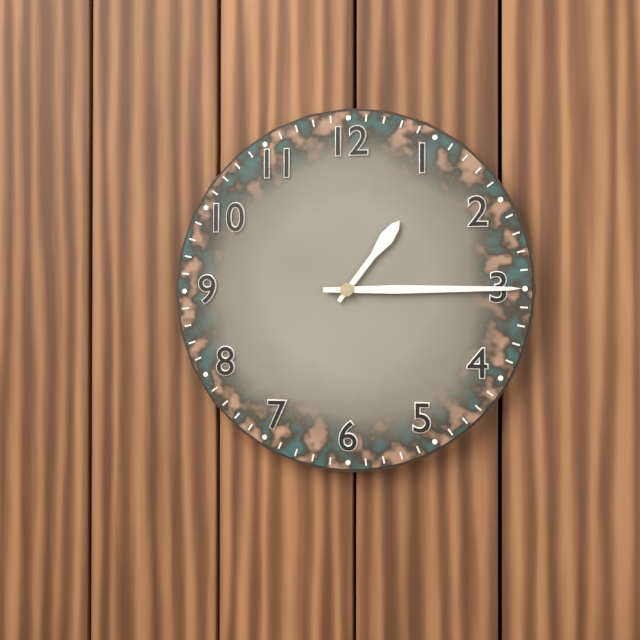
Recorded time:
h=1 m=15
